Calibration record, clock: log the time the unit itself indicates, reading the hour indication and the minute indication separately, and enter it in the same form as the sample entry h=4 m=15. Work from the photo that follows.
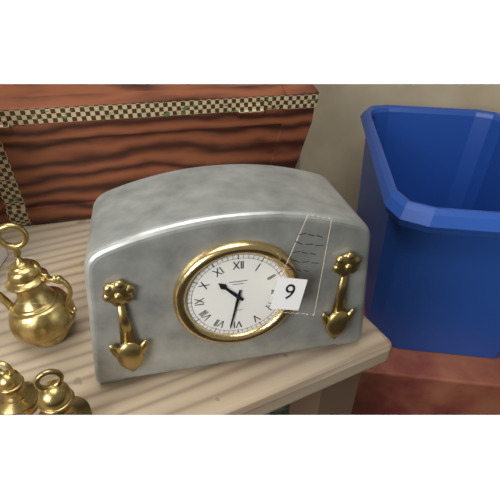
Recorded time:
h=10 m=32
